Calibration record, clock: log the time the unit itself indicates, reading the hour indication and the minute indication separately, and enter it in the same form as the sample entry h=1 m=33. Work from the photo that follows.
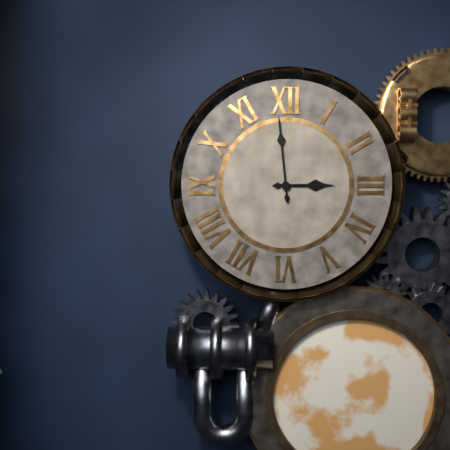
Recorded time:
h=2 m=59
